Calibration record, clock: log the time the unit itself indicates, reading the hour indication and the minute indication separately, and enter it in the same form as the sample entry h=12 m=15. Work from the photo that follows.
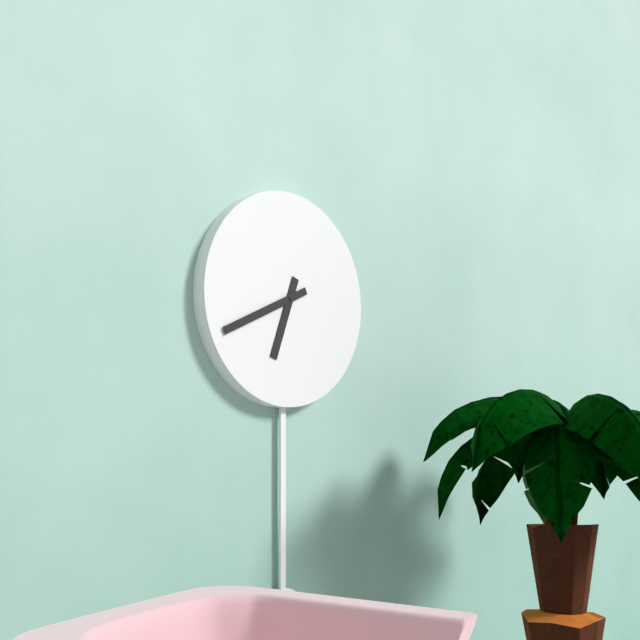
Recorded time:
h=6 m=41
